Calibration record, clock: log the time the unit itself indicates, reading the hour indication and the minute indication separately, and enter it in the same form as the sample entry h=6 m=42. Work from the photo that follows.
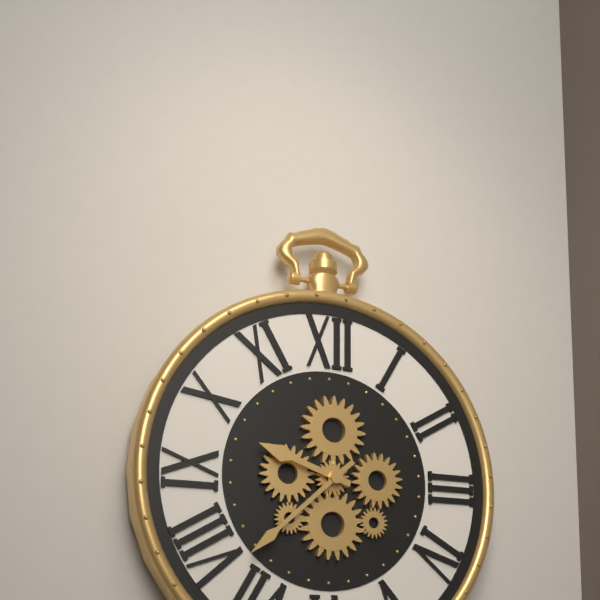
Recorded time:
h=9 m=38
